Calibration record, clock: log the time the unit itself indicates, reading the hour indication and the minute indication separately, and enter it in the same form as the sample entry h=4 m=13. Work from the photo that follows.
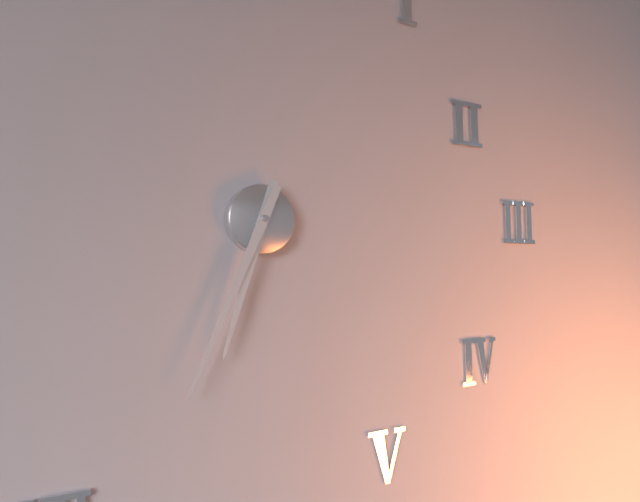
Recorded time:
h=6 m=34
